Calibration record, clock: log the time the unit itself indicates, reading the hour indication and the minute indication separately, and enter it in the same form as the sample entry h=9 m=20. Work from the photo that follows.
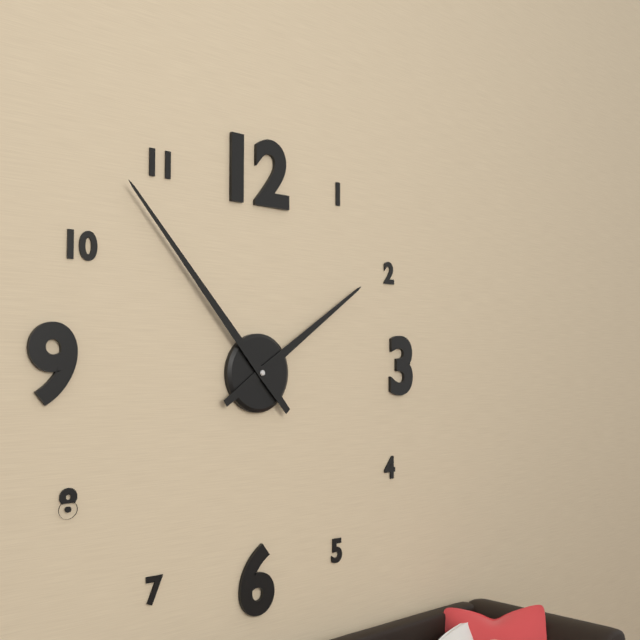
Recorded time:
h=1 m=53
